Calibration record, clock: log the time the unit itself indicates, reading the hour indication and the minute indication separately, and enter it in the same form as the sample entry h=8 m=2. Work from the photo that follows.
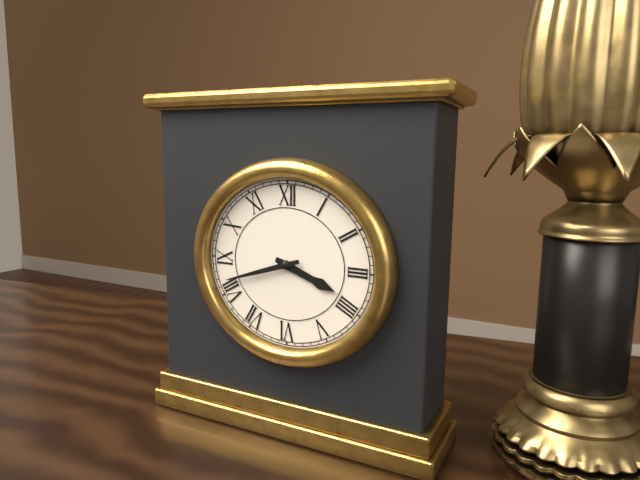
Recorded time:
h=3 m=42
